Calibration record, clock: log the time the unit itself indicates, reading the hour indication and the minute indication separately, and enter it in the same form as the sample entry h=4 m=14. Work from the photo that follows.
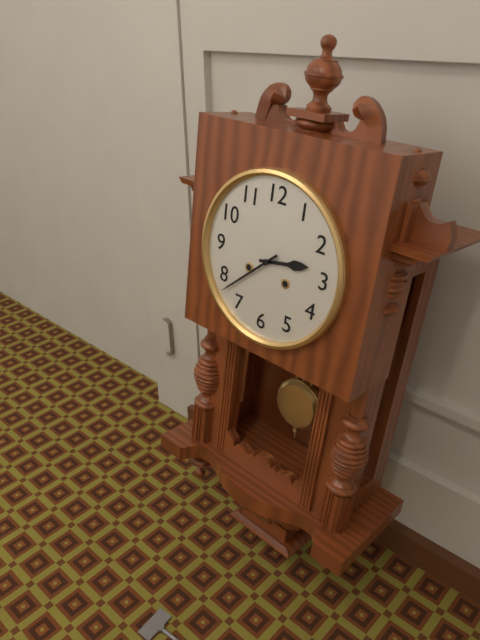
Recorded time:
h=2 m=38
